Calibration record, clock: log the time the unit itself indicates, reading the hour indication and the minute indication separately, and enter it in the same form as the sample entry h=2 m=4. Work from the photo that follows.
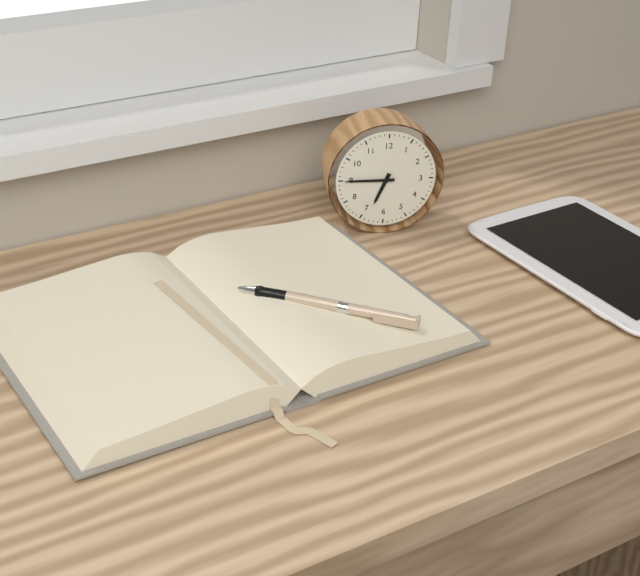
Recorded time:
h=6 m=45
